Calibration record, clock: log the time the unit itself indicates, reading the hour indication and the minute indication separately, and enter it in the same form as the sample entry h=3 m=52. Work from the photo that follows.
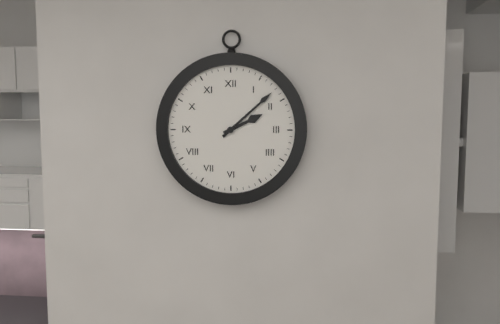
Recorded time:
h=2 m=8
